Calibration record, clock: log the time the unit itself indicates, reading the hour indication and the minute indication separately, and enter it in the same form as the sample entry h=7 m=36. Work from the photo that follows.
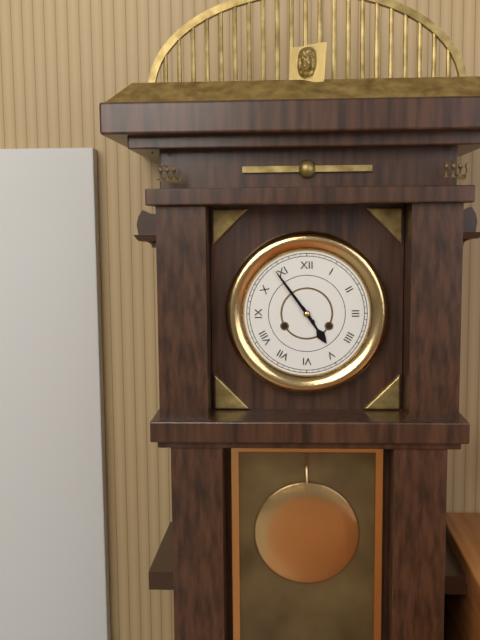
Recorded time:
h=4 m=54
